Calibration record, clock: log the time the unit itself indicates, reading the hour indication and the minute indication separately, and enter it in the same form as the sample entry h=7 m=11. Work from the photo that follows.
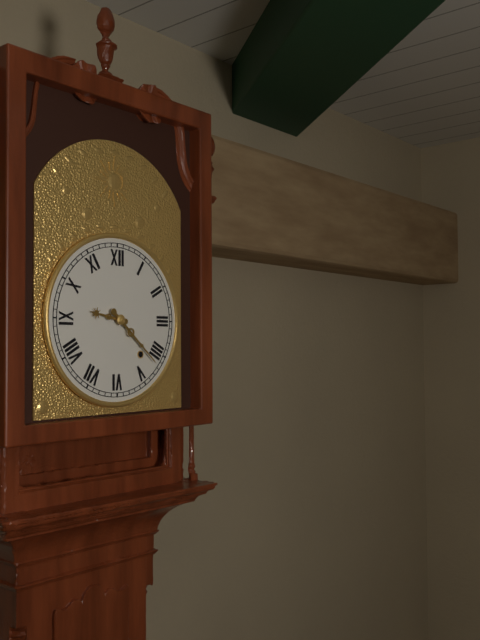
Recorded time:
h=9 m=22
